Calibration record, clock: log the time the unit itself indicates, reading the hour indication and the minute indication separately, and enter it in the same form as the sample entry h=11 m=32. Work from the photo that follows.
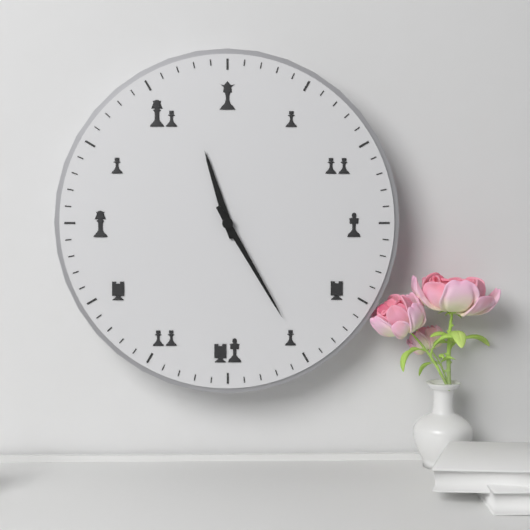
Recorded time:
h=11 m=25
